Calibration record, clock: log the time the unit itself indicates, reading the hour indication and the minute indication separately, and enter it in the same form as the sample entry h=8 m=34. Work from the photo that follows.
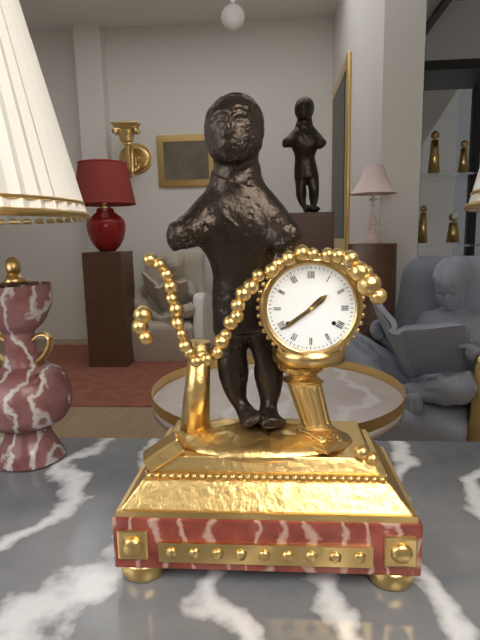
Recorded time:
h=1 m=39
